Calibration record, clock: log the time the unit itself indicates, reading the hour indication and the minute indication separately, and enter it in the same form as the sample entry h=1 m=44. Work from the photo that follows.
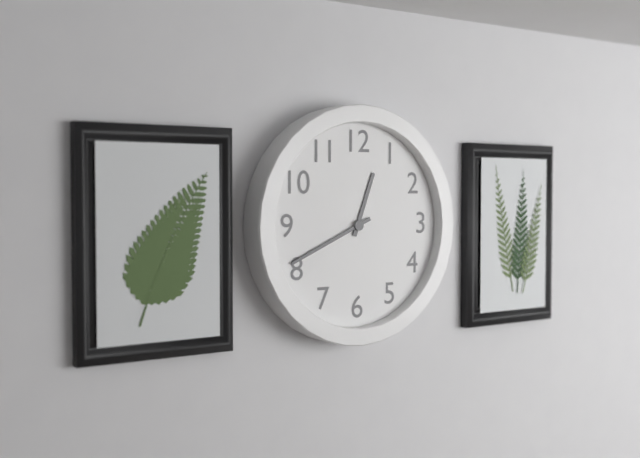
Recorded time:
h=12 m=41
